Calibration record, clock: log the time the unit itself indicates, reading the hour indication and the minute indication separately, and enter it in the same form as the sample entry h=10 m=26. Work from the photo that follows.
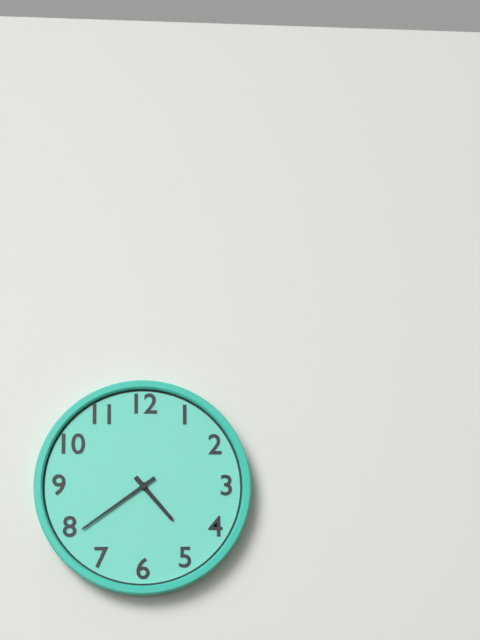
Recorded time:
h=4 m=39
